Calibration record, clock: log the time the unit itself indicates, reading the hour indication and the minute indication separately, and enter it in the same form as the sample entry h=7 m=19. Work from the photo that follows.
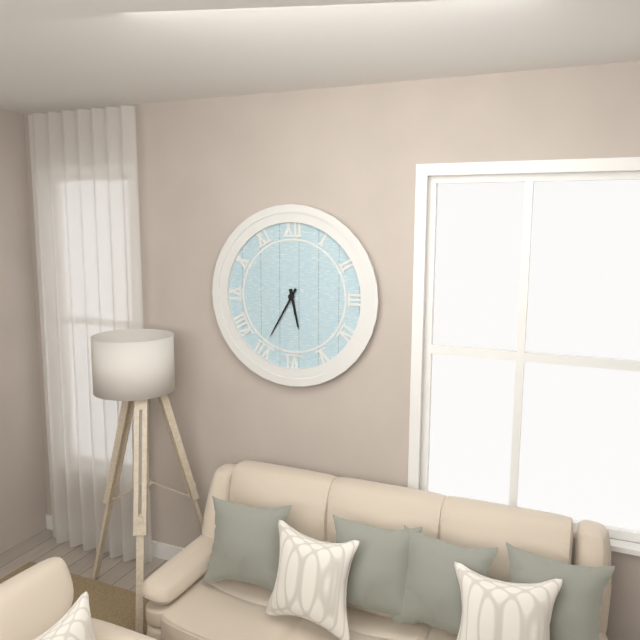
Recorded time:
h=5 m=35
